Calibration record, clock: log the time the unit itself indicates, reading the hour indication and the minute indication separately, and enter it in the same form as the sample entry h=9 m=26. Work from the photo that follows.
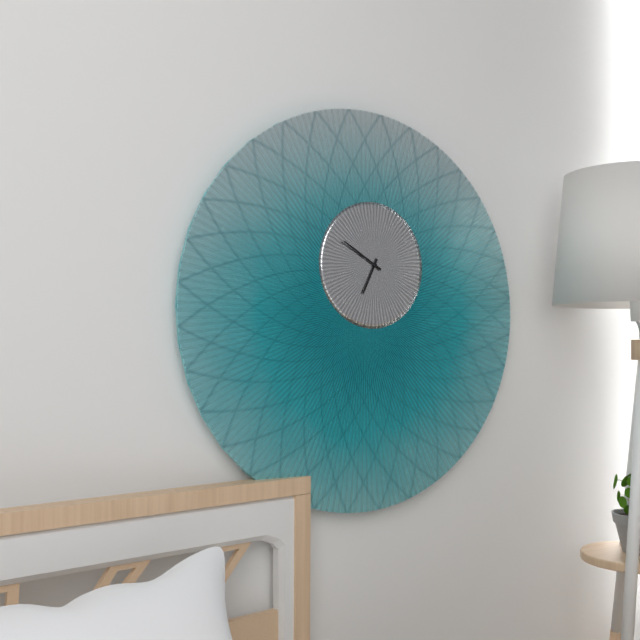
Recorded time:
h=6 m=50
